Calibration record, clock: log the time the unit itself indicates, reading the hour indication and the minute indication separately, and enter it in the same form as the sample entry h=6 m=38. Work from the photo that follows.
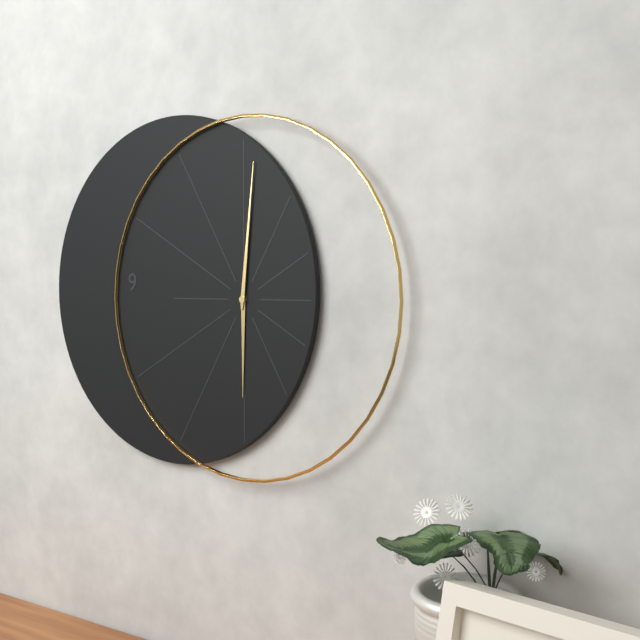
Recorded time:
h=6 m=1
